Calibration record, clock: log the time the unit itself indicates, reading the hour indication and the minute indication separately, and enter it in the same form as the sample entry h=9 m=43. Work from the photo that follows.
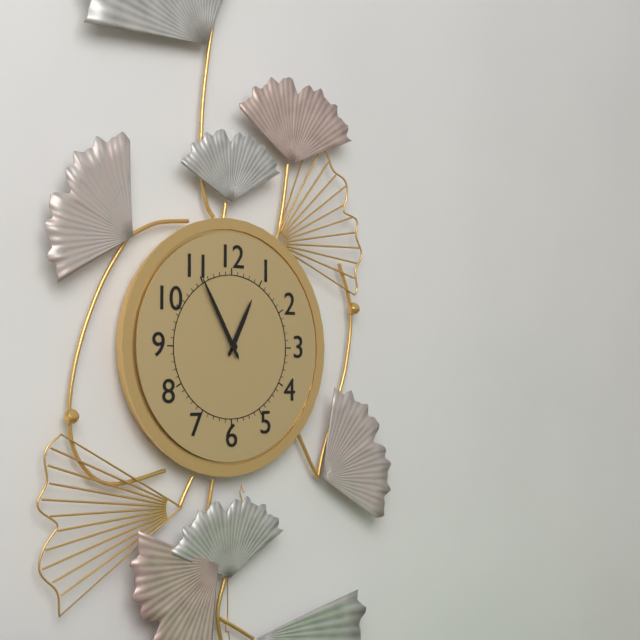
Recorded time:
h=12 m=55
